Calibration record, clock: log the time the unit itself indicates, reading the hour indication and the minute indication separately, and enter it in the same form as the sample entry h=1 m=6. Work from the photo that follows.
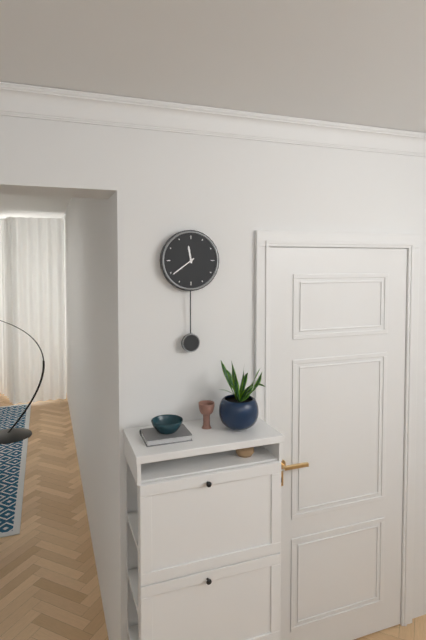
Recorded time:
h=11 m=39
